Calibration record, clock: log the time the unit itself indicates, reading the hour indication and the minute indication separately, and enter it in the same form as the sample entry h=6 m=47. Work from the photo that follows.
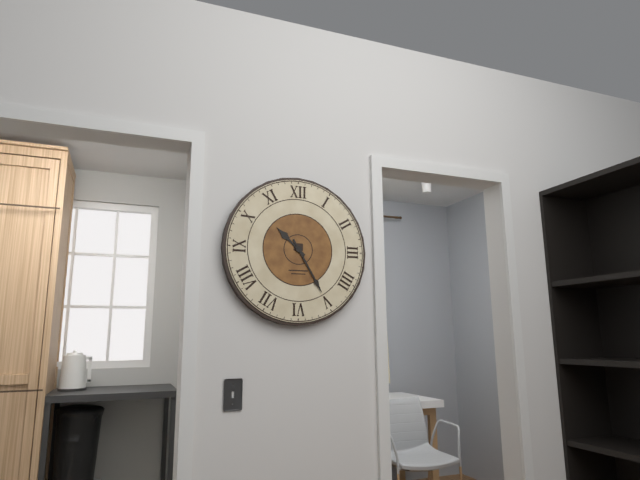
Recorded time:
h=10 m=25
